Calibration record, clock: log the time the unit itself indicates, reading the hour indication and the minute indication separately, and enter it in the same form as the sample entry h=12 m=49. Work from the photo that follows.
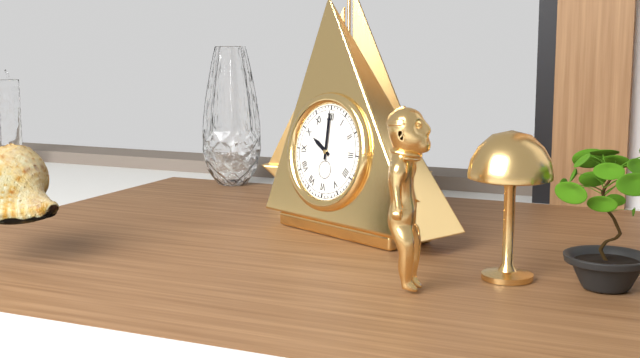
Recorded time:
h=10 m=0
